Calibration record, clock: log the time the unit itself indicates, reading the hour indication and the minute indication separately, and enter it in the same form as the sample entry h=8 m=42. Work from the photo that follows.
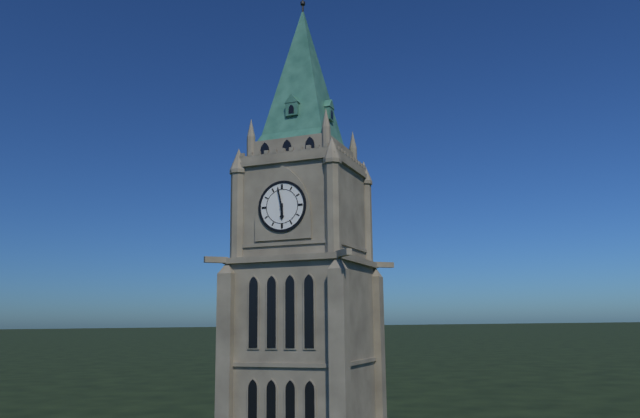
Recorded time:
h=5 m=58
